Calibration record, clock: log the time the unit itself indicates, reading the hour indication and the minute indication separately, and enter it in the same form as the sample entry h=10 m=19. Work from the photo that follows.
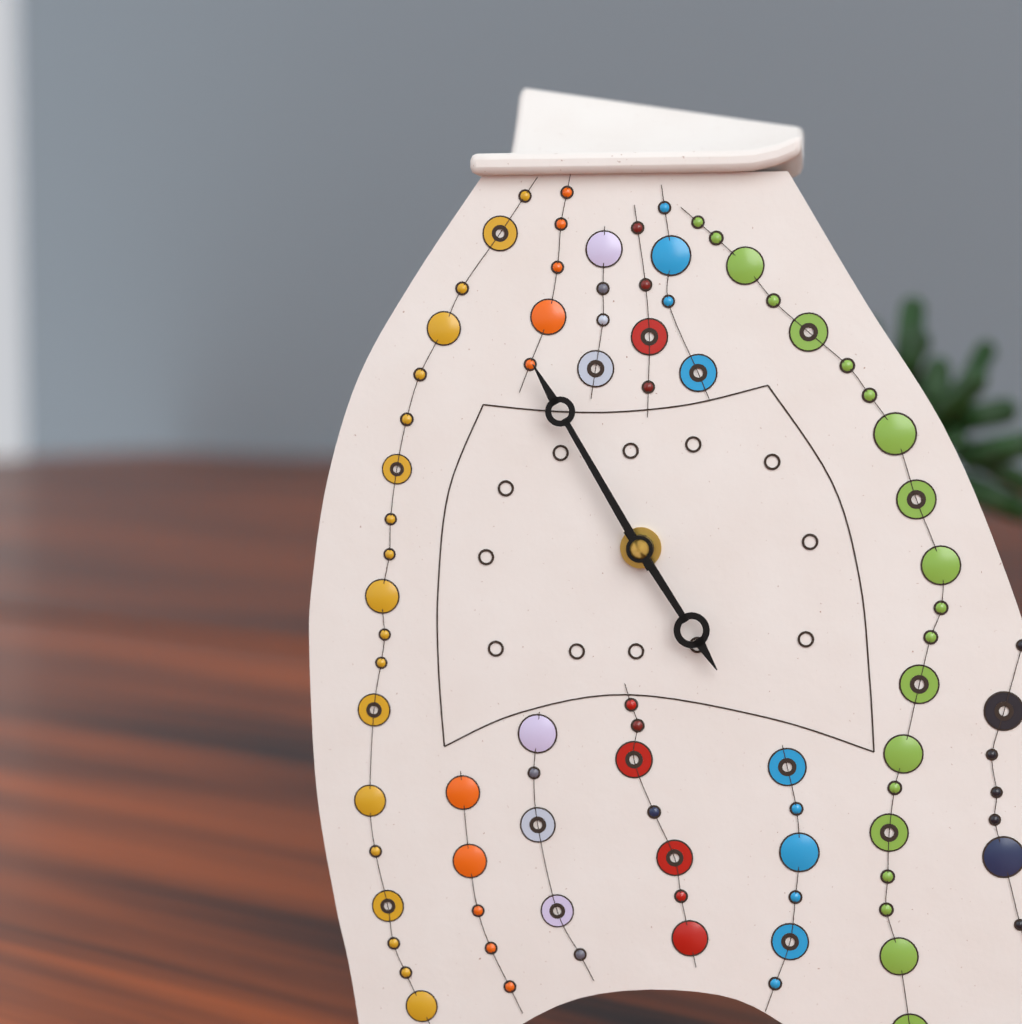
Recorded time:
h=4 m=55
